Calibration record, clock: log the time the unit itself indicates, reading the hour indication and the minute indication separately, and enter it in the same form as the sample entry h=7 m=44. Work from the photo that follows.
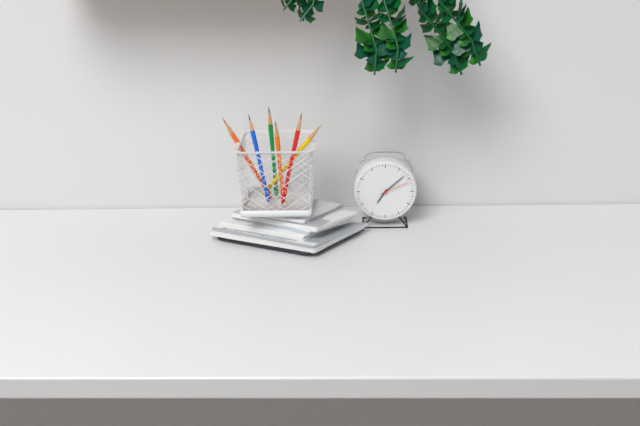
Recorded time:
h=7 m=8
